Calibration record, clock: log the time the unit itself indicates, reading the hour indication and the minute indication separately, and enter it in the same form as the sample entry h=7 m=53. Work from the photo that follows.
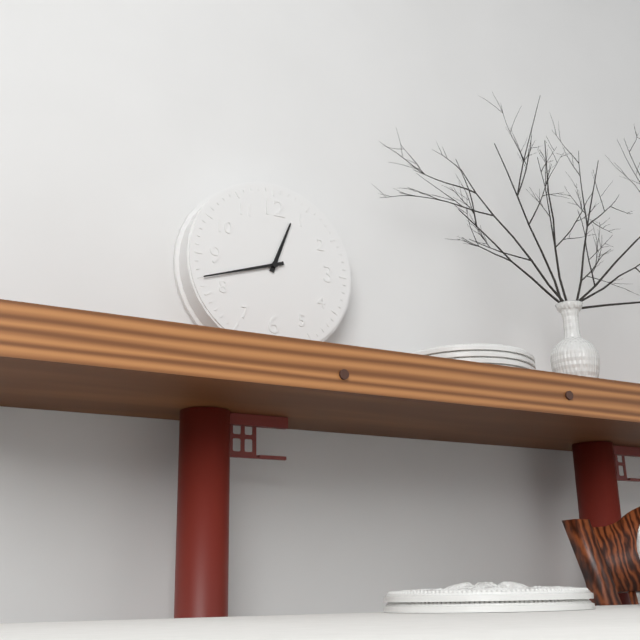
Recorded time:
h=12 m=42
